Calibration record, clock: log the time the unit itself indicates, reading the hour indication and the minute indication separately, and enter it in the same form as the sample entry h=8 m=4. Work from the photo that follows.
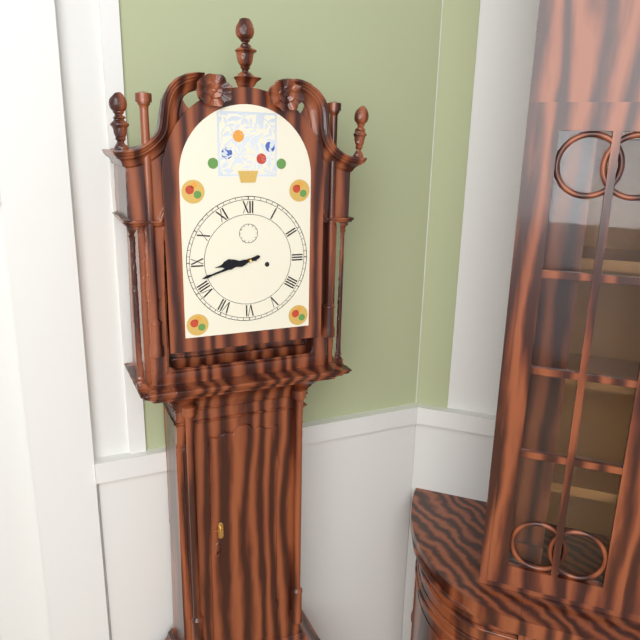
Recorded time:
h=8 m=42
